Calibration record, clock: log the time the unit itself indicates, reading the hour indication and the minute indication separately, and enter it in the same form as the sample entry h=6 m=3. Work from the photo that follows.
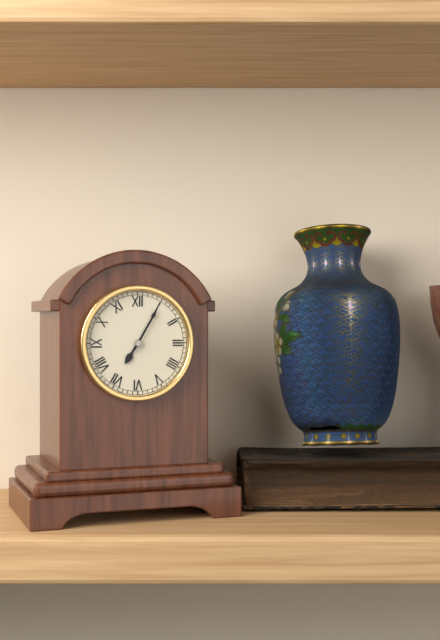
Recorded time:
h=7 m=5
